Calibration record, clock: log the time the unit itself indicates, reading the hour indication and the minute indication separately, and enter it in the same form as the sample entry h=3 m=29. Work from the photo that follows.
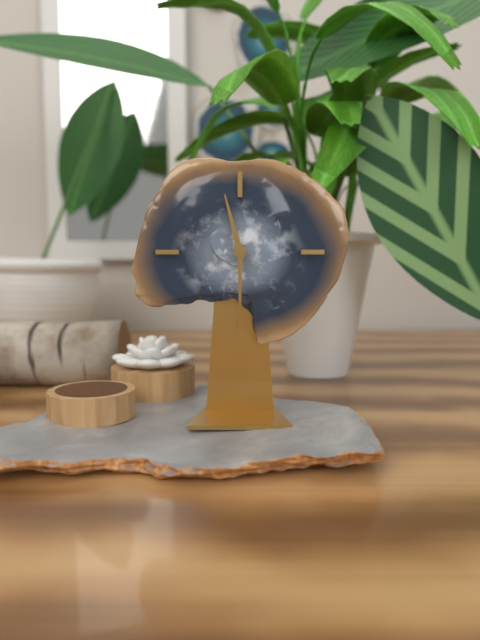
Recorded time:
h=11 m=30
